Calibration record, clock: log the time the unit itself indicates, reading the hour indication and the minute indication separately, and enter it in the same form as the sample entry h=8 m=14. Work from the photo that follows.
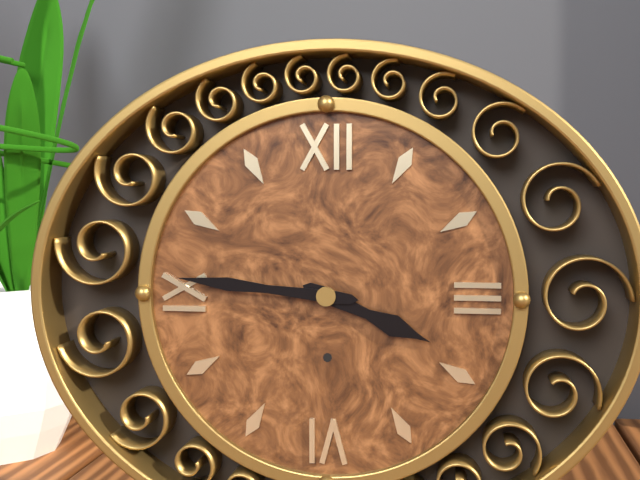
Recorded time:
h=3 m=46
